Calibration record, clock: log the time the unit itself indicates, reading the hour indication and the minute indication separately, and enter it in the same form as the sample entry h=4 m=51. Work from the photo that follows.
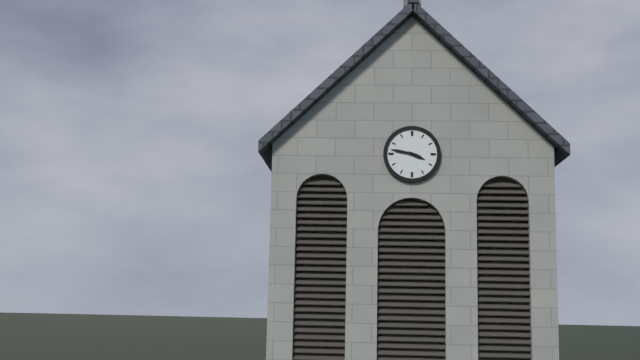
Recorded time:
h=3 m=47
